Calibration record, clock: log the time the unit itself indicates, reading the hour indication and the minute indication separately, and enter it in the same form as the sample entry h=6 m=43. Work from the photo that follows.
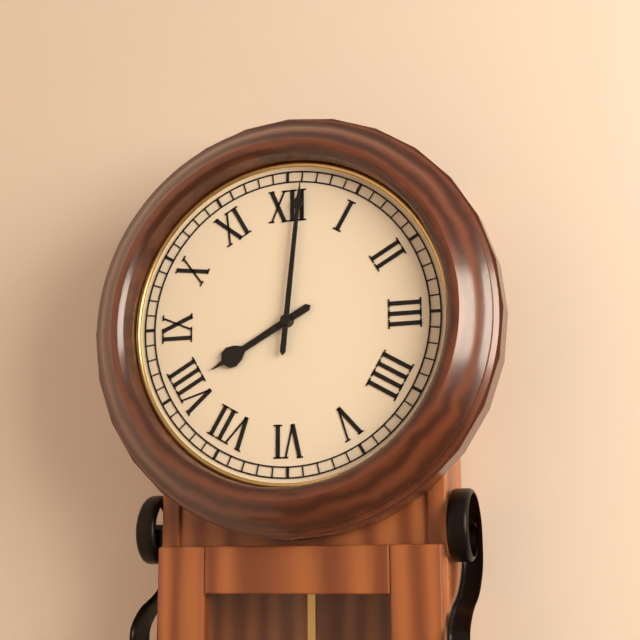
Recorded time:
h=8 m=1
